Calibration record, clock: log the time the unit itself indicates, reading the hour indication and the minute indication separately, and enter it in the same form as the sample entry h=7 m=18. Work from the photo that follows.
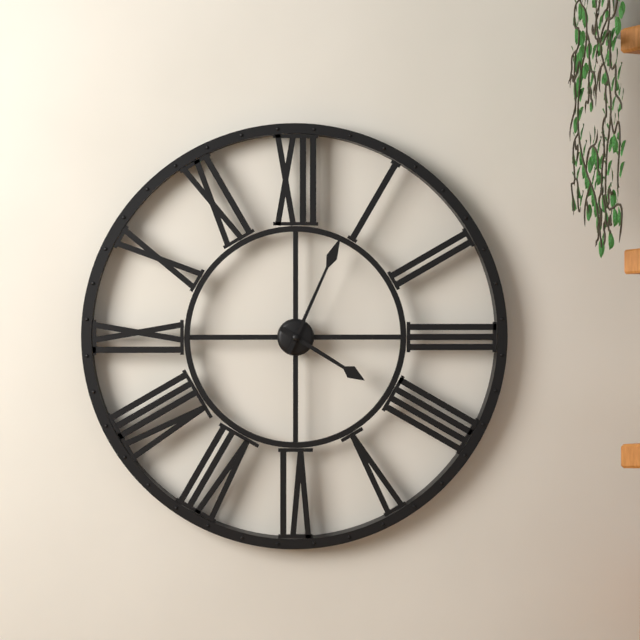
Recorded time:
h=4 m=4
